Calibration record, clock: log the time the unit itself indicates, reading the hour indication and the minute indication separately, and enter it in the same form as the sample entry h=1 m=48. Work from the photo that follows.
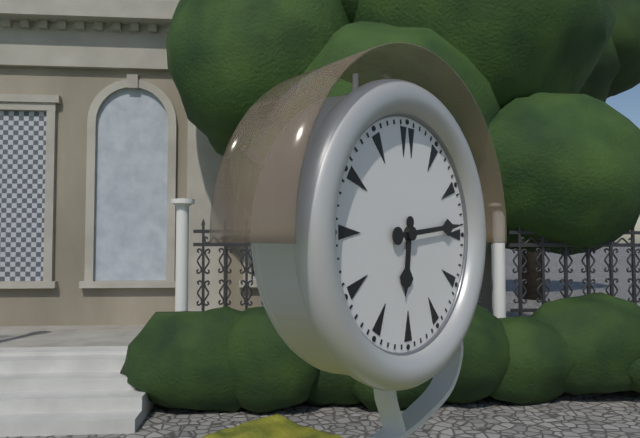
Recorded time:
h=6 m=14
